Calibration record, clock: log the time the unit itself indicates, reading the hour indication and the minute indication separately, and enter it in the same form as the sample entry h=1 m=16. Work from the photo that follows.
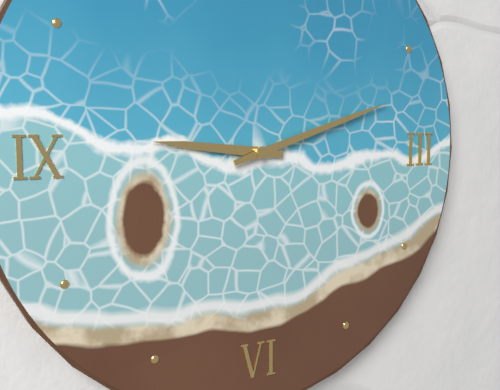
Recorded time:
h=9 m=12
